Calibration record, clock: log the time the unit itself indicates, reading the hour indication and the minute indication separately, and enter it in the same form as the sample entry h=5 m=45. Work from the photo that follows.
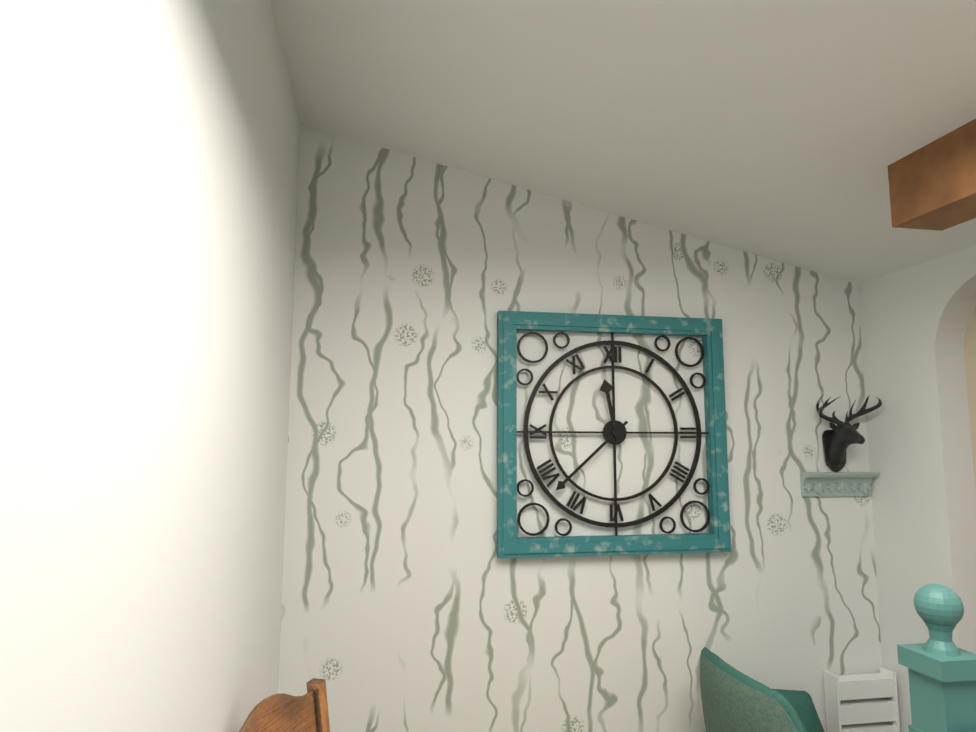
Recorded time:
h=11 m=38
